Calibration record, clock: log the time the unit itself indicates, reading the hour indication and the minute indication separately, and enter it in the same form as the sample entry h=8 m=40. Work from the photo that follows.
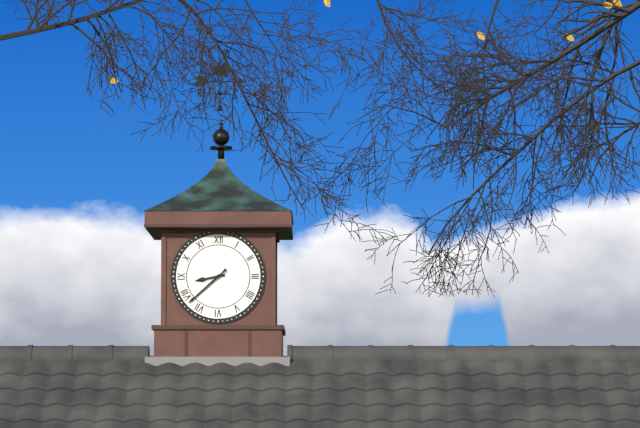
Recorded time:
h=8 m=38
